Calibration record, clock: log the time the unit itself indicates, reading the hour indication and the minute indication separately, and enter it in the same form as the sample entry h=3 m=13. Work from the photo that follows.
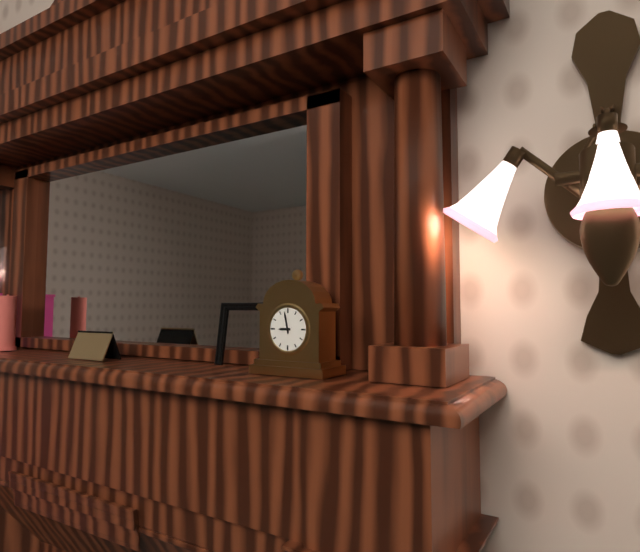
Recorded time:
h=8 m=58
